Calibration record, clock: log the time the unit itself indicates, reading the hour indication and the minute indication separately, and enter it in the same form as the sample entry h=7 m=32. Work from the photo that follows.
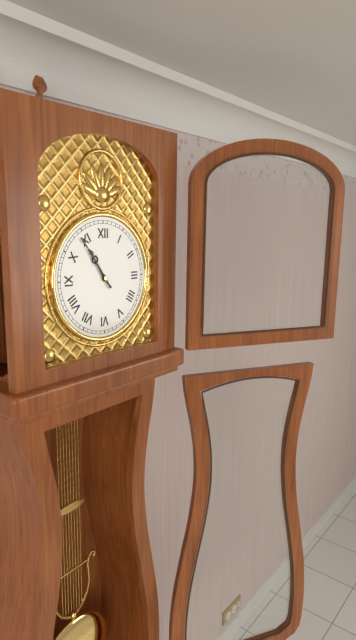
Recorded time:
h=10 m=54
